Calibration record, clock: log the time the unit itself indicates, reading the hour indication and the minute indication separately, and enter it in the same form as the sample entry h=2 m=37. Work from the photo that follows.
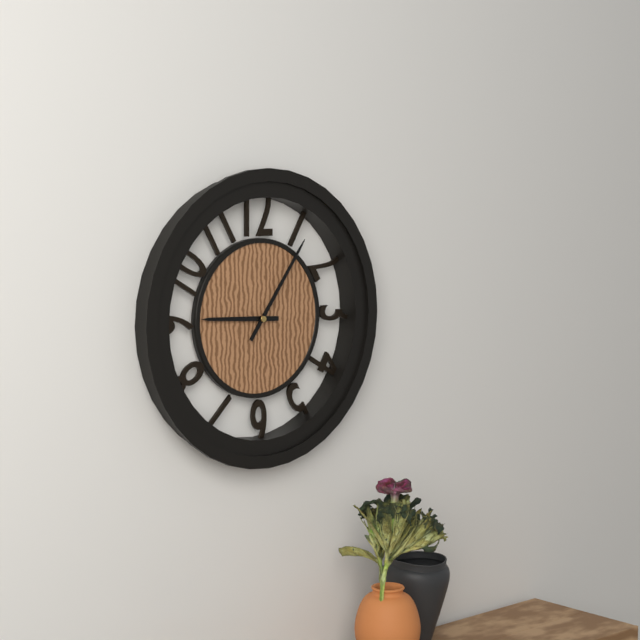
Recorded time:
h=9 m=6
